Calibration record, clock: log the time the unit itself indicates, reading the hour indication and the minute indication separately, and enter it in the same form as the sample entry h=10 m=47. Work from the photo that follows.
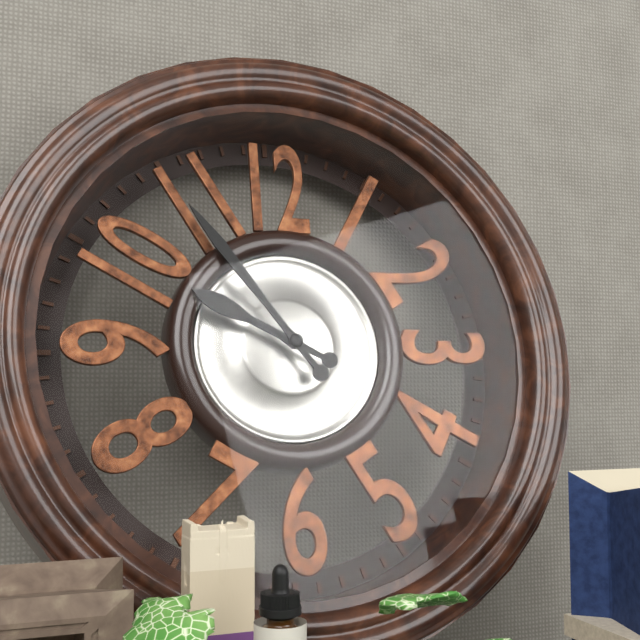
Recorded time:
h=9 m=54
